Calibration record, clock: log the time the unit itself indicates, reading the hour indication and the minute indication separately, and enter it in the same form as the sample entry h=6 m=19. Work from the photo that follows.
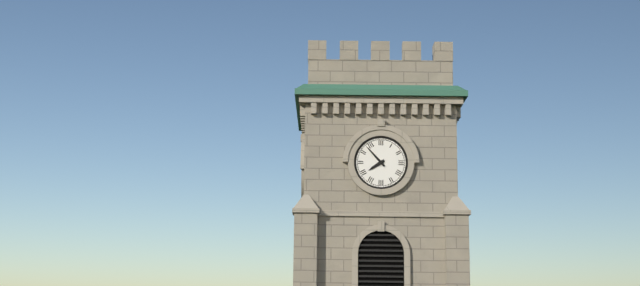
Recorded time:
h=7 m=53
